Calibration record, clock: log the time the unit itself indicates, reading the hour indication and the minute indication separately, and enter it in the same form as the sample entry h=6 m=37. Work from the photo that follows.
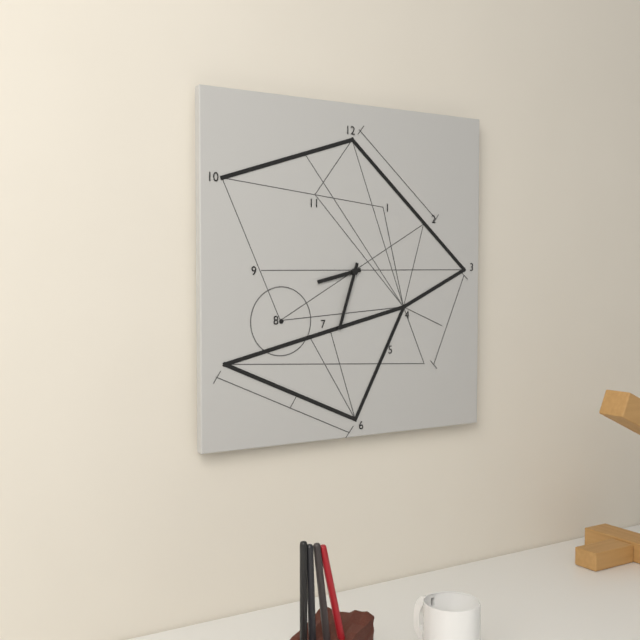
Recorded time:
h=8 m=33
